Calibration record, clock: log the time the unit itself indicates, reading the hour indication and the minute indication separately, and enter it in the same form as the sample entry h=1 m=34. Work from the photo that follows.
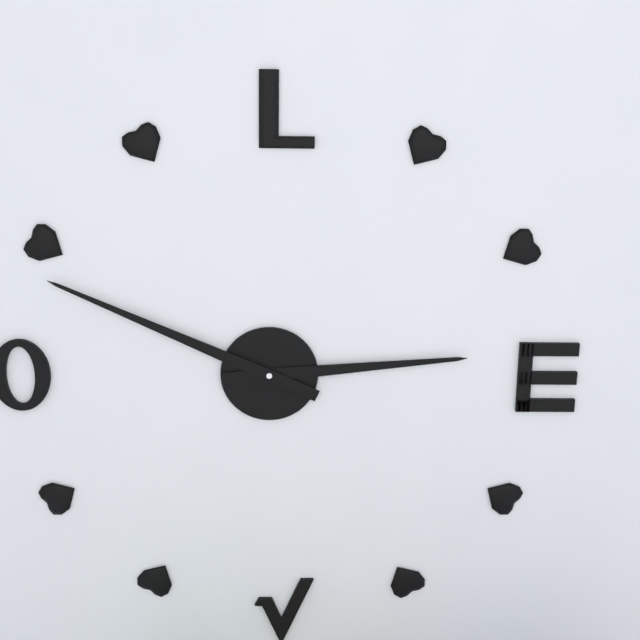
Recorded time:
h=2 m=49
